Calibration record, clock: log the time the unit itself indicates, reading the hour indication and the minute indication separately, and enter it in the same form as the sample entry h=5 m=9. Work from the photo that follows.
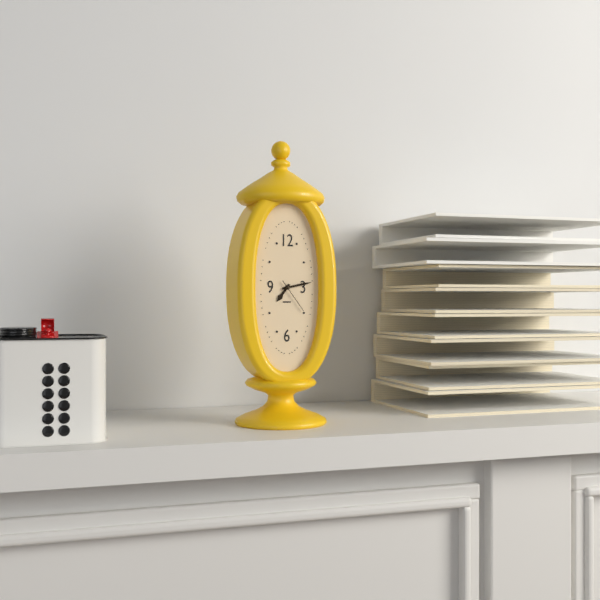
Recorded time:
h=7 m=13
